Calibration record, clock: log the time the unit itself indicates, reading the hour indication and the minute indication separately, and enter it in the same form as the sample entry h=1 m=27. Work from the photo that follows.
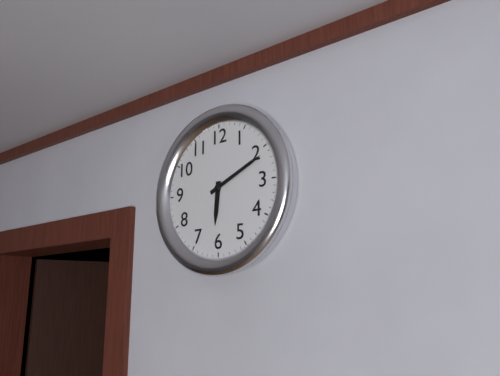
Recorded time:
h=6 m=11
